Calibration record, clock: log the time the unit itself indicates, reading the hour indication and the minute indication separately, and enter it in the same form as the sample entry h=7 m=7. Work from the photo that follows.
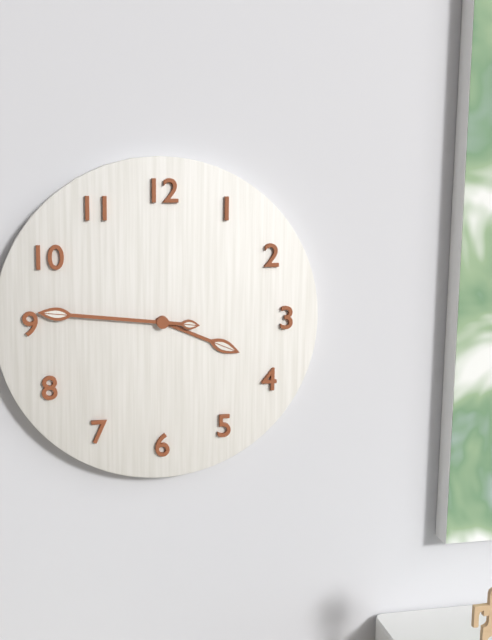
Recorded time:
h=3 m=46
